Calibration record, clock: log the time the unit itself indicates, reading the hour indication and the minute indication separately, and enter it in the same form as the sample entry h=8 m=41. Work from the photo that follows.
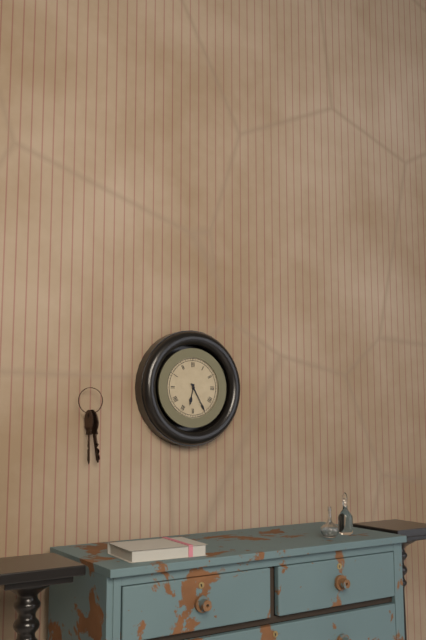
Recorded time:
h=6 m=25
